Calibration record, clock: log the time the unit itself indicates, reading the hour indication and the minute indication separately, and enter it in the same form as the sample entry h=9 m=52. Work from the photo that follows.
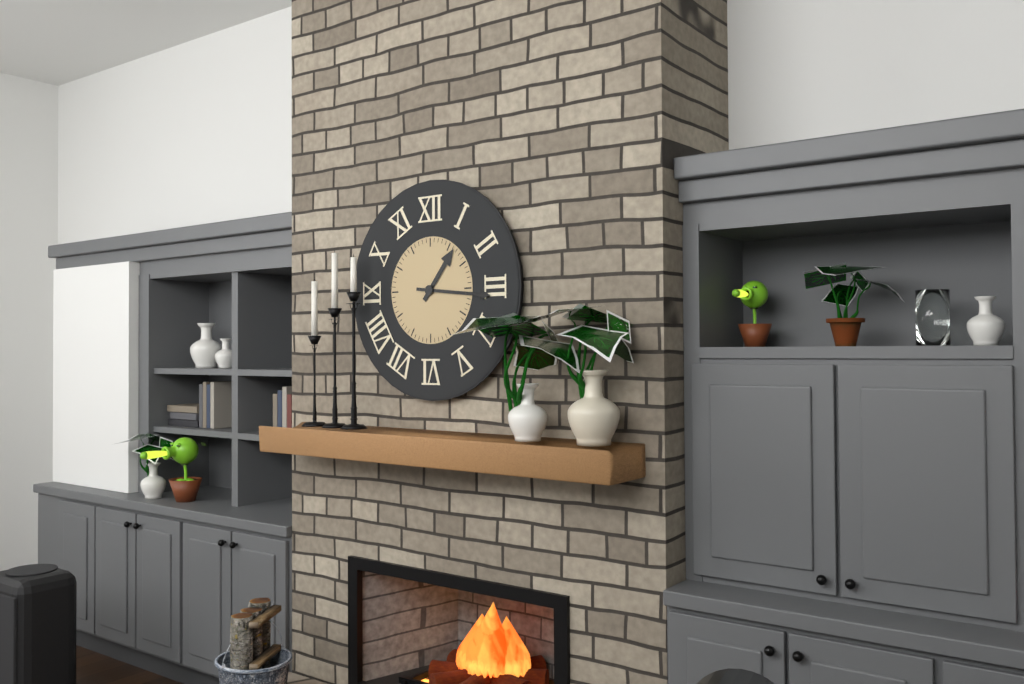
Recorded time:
h=1 m=16
